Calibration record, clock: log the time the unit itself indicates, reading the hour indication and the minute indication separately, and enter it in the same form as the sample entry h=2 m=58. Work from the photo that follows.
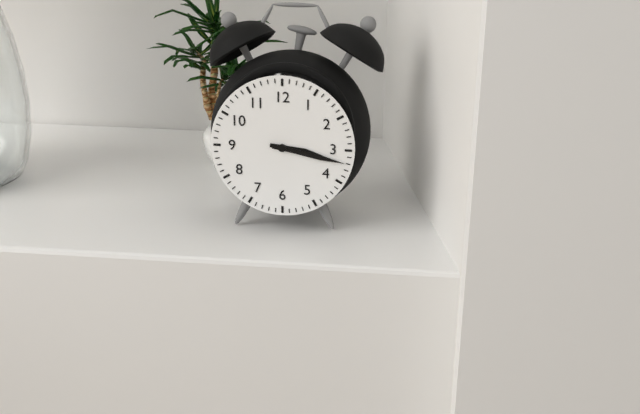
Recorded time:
h=3 m=17
